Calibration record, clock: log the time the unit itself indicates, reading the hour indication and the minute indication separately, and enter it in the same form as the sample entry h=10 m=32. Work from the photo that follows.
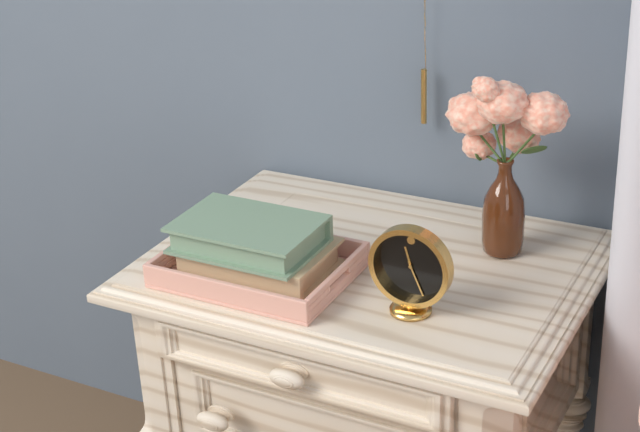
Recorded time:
h=11 m=26
